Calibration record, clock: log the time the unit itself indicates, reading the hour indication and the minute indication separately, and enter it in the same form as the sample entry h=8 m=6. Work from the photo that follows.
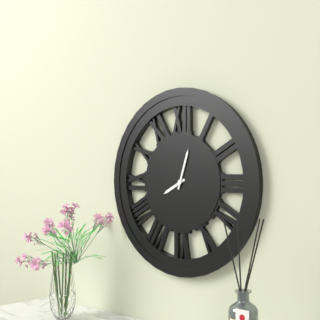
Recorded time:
h=8 m=3
